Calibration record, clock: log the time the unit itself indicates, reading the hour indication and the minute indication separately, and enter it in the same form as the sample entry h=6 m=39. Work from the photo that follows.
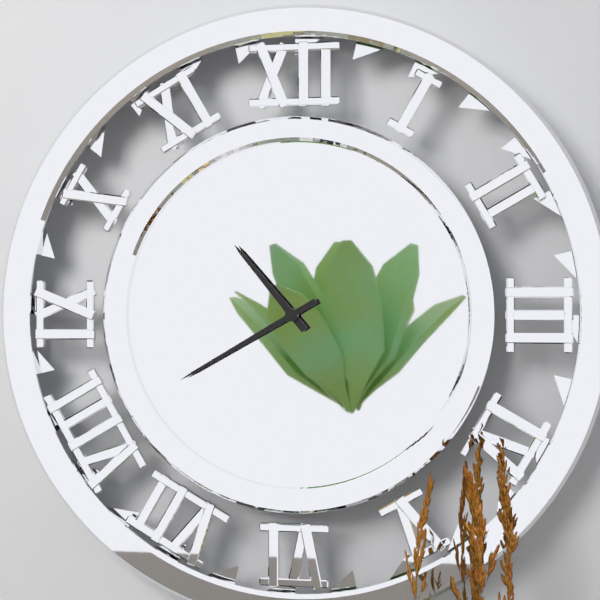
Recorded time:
h=10 m=40
